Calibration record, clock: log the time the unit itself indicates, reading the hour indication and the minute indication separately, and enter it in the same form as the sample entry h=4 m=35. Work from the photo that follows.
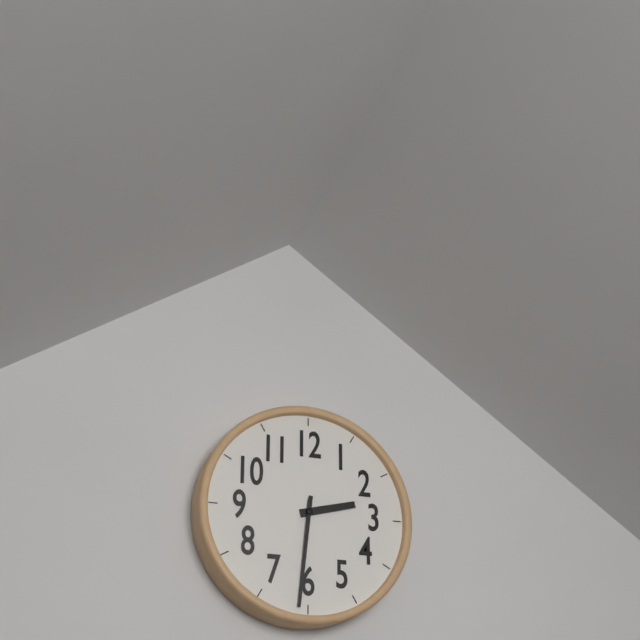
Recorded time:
h=2 m=31
